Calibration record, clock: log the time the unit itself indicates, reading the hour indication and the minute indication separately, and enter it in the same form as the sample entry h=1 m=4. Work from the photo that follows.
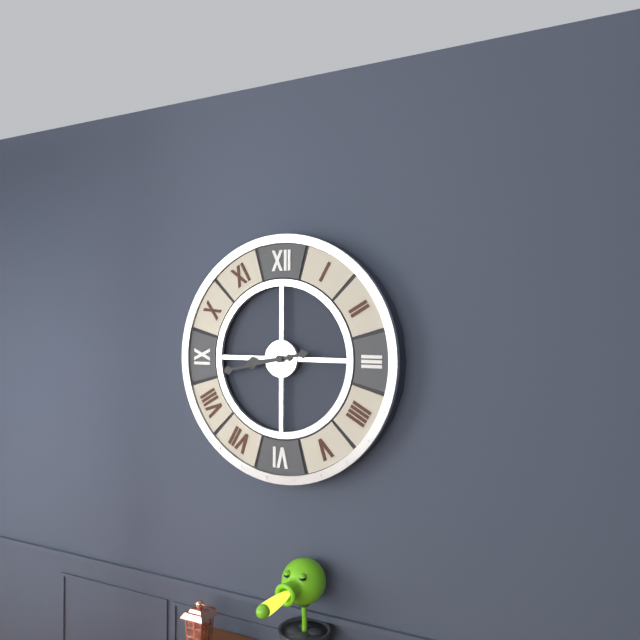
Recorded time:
h=8 m=43
